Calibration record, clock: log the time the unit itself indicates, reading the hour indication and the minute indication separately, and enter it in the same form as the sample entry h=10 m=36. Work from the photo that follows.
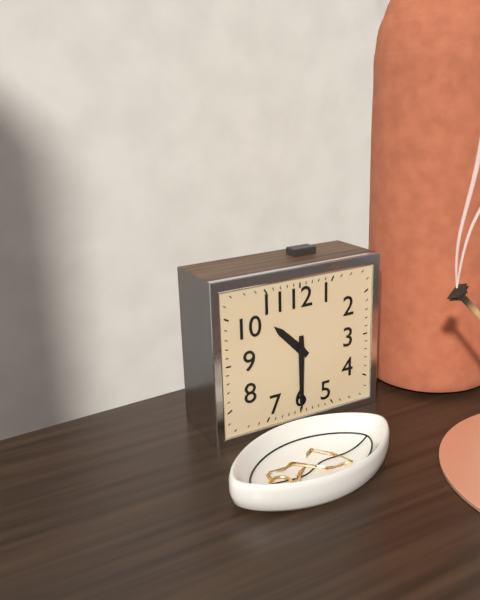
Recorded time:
h=10 m=30
